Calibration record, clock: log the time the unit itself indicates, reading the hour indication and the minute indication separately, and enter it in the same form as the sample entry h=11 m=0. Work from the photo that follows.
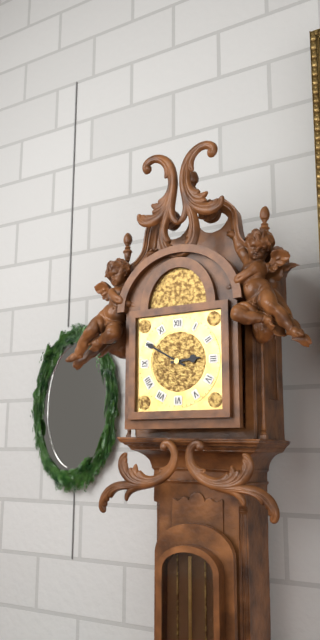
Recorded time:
h=2 m=50
